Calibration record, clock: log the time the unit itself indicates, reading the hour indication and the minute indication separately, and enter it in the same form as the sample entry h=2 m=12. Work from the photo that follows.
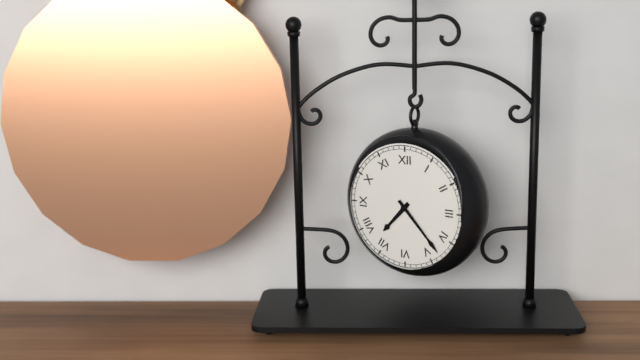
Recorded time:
h=7 m=23
